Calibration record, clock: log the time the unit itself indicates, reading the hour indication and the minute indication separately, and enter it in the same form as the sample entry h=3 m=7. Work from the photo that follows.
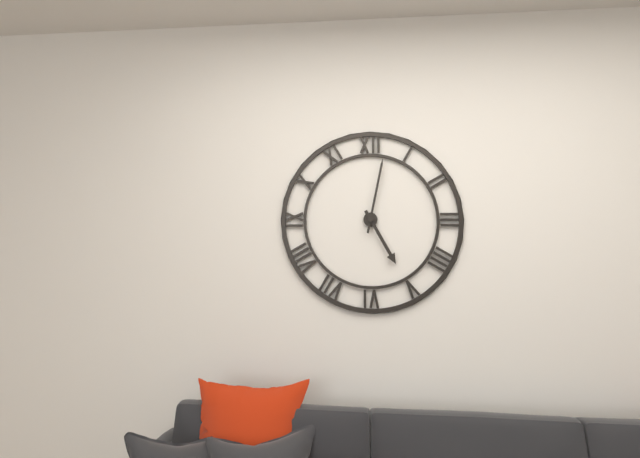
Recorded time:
h=5 m=2
